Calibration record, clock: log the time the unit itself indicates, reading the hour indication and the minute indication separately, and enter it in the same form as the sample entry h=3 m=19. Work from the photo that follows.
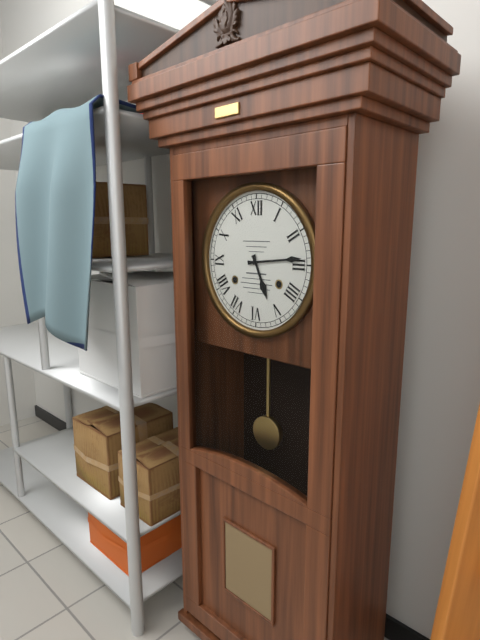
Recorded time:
h=5 m=14
